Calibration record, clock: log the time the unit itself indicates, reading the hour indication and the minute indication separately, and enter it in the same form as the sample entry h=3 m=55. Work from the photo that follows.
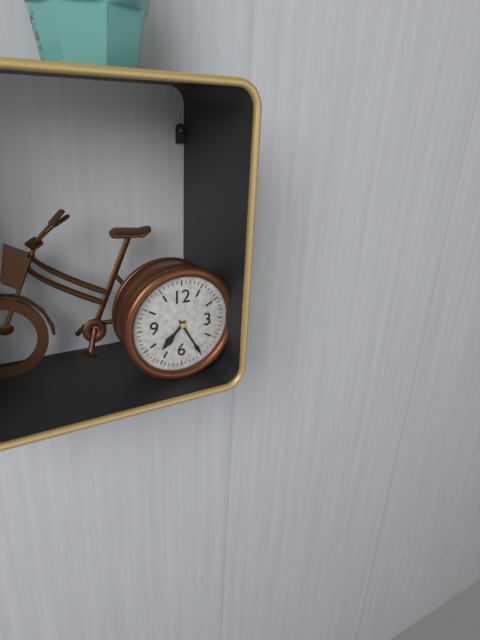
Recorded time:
h=7 m=25
